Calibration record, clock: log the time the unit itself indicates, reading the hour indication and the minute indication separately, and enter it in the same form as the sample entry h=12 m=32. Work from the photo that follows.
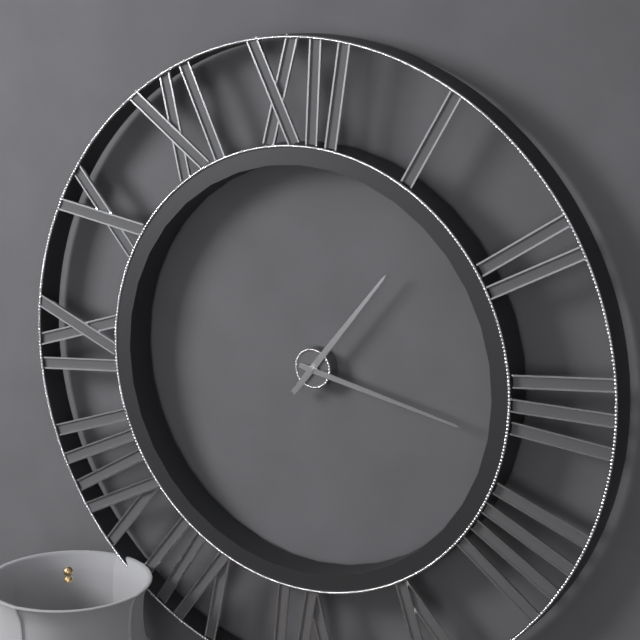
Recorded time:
h=1 m=17
